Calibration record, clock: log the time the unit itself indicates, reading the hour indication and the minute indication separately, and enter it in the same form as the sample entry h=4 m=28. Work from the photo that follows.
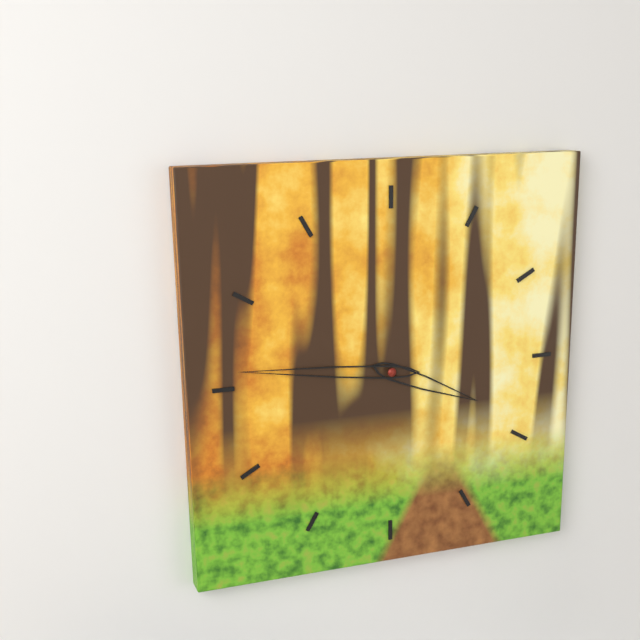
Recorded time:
h=3 m=46
